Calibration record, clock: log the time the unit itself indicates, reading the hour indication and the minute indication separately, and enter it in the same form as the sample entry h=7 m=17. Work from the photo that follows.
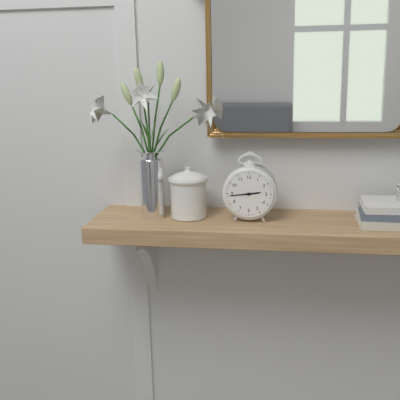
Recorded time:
h=2 m=44
